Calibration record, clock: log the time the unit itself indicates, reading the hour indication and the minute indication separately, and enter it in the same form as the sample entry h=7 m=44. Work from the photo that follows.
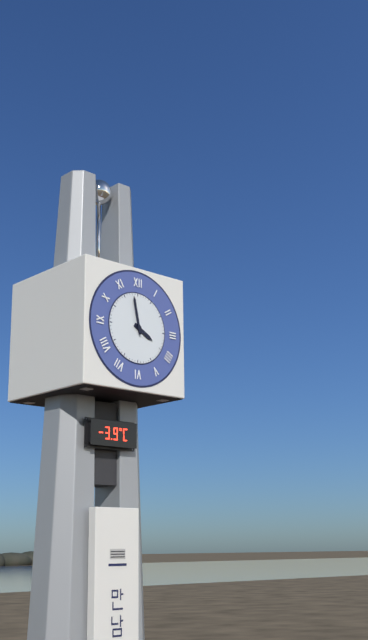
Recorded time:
h=3 m=58
